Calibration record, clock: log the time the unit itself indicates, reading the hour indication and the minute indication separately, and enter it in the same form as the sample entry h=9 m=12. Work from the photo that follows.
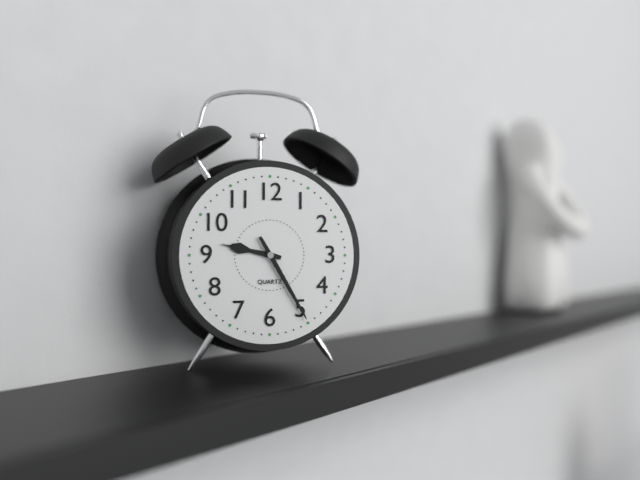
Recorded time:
h=9 m=25
